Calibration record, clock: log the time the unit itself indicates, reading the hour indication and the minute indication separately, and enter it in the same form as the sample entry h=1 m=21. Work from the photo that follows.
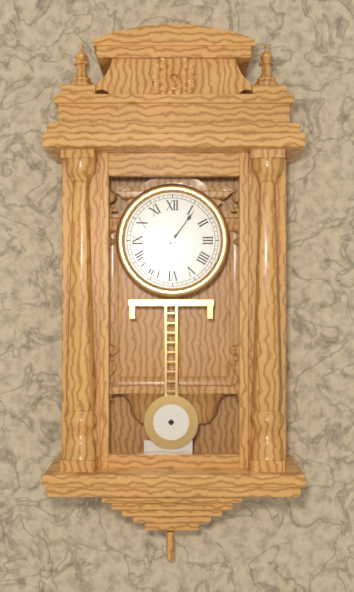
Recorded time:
h=7 m=6
